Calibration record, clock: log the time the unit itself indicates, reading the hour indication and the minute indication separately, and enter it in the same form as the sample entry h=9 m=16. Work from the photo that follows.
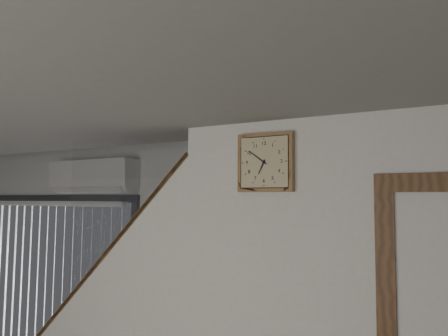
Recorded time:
h=6 m=51
